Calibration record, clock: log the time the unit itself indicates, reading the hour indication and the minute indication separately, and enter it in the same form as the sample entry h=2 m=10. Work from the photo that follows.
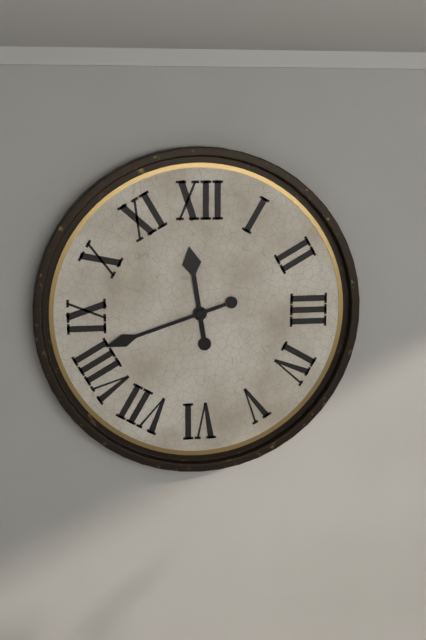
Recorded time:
h=11 m=42
